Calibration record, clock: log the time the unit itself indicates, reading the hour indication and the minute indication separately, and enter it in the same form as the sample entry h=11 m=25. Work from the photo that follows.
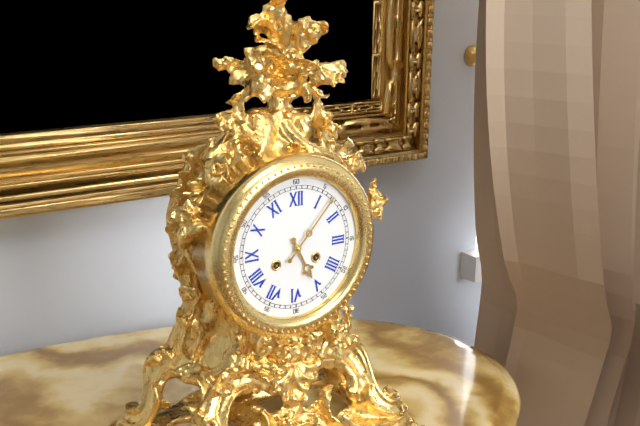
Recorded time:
h=5 m=7
